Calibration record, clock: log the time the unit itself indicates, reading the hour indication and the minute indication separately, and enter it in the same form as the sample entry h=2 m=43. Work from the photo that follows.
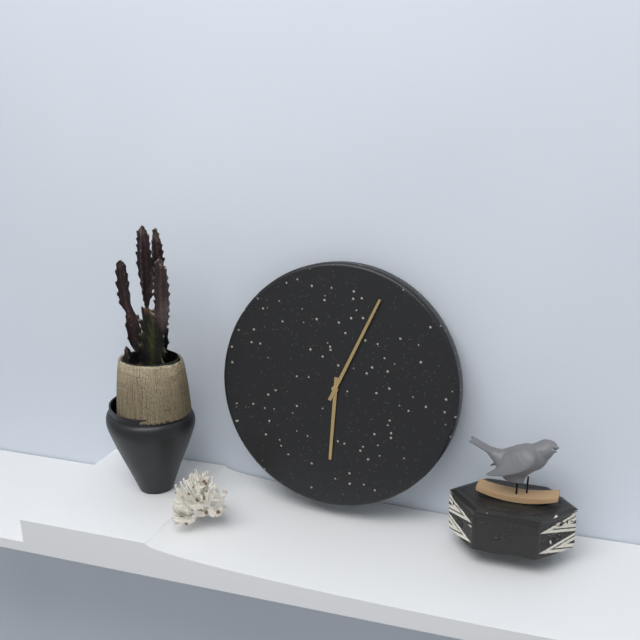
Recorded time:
h=6 m=4
